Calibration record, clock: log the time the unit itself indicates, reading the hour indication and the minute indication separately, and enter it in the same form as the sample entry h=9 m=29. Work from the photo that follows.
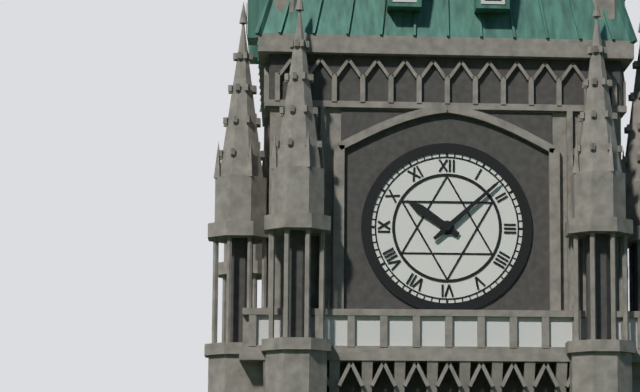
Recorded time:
h=10 m=8
